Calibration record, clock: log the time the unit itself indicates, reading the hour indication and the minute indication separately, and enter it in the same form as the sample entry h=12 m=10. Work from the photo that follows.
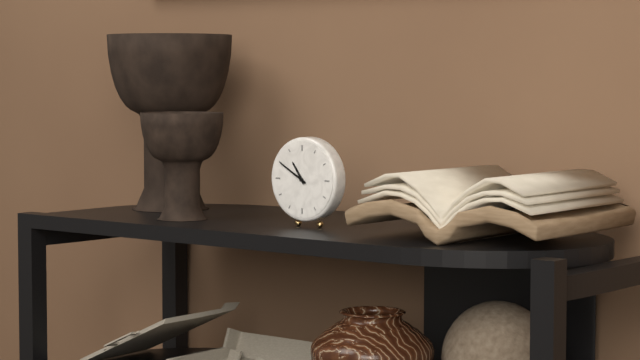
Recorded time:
h=10 m=50
